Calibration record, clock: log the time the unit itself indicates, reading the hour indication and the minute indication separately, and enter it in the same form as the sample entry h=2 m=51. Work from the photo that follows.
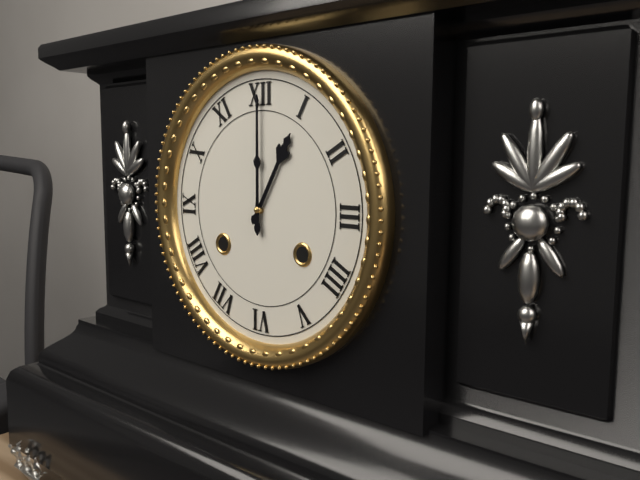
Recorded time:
h=1 m=0
